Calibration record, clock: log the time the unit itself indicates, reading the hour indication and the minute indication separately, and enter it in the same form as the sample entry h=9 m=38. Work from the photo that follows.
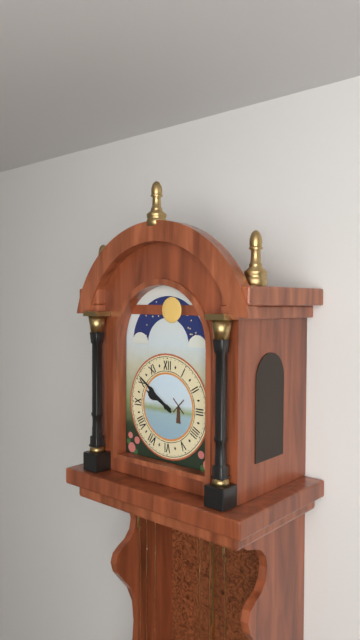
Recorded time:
h=9 m=51
